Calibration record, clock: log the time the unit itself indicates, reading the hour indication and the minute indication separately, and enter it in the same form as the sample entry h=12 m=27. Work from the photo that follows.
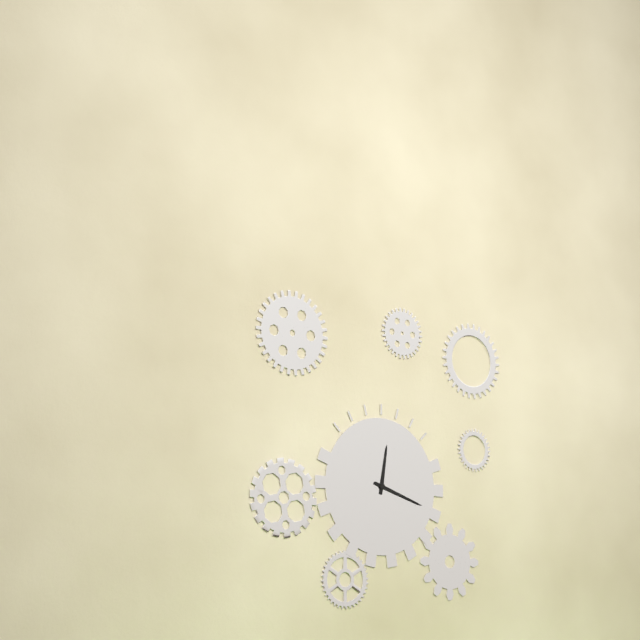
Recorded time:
h=12 m=18
